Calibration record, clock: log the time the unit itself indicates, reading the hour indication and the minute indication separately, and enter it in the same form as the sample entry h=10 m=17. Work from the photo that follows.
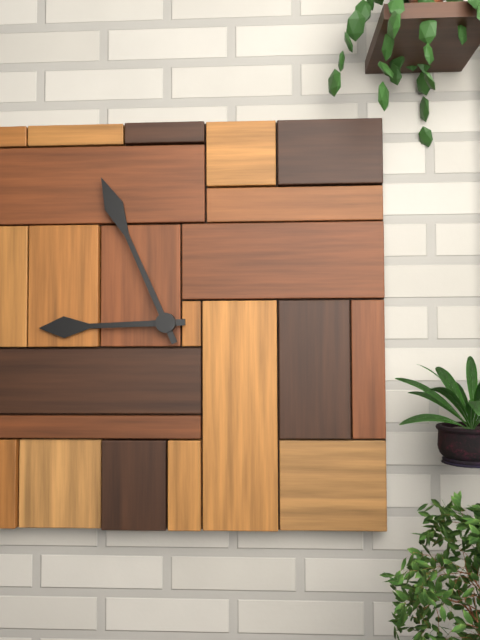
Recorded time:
h=8 m=56
